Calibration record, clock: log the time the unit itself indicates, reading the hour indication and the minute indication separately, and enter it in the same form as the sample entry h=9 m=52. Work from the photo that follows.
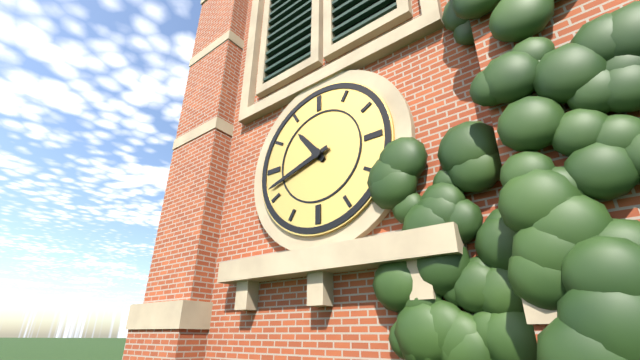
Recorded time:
h=10 m=42
